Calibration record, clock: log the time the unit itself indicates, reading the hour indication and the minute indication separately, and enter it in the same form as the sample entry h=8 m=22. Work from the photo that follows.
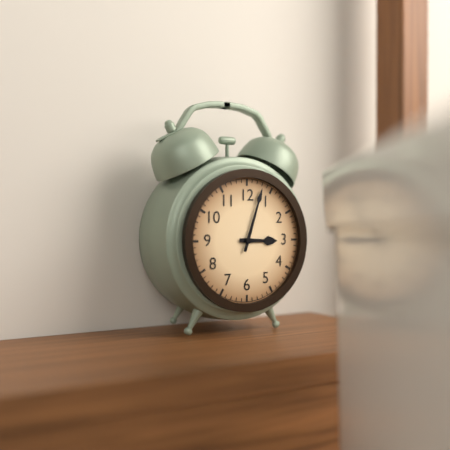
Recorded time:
h=3 m=3
